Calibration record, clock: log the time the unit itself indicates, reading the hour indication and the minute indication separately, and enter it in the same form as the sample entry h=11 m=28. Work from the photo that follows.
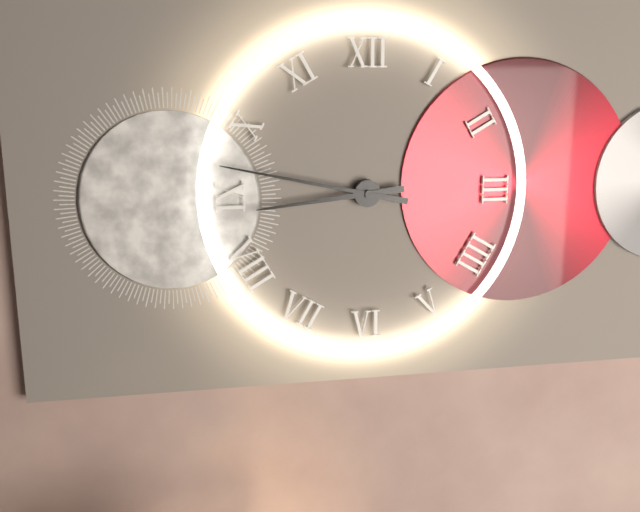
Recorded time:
h=8 m=47
